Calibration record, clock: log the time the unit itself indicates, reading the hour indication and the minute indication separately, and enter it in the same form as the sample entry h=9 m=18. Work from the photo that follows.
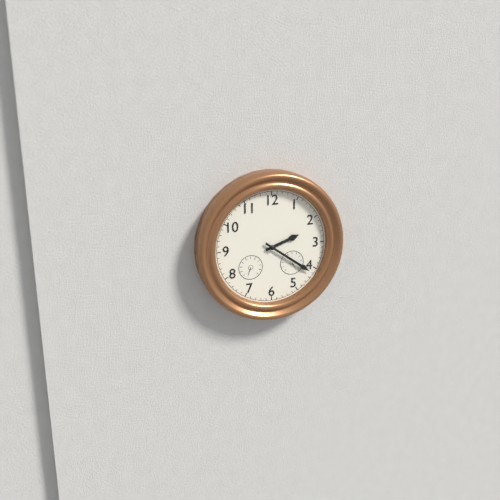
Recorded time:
h=2 m=21
